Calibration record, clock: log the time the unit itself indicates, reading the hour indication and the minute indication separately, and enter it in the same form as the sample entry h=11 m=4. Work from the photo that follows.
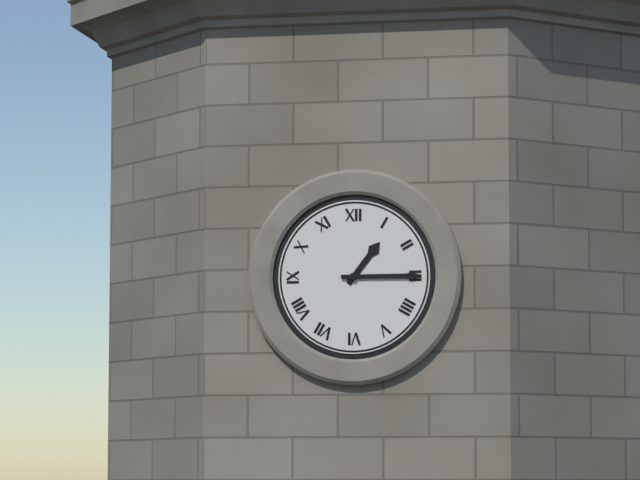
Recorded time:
h=1 m=15
